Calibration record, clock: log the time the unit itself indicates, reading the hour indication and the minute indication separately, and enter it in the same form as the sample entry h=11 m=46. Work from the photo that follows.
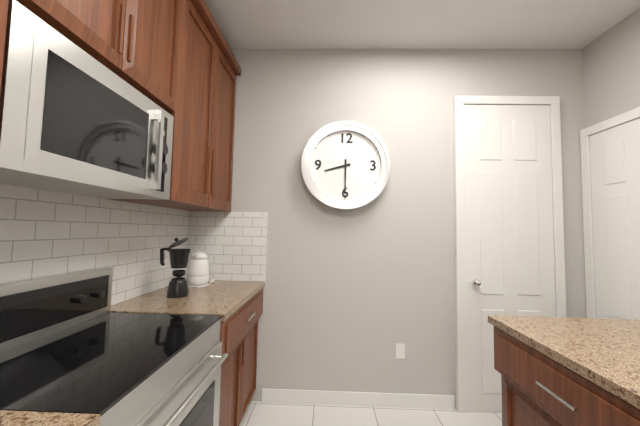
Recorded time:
h=8 m=30
